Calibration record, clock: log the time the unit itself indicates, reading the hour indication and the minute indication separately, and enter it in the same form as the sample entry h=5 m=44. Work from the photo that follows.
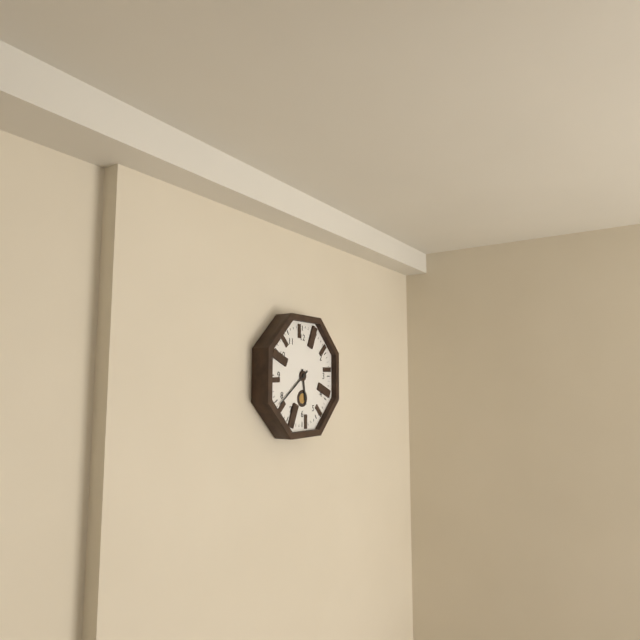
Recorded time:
h=5 m=39
